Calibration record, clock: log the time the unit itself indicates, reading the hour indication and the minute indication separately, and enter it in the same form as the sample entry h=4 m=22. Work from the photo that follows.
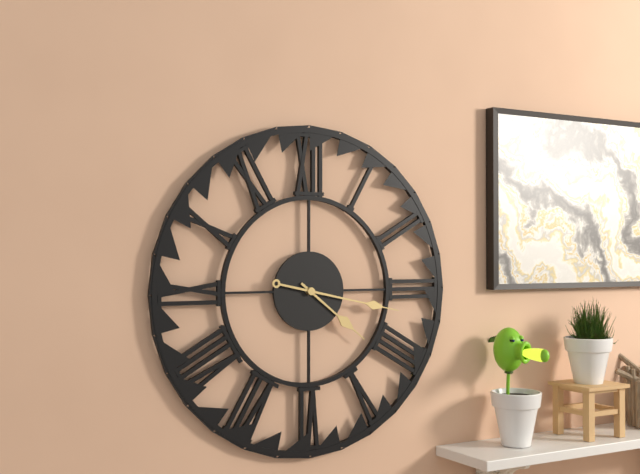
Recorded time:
h=4 m=17
